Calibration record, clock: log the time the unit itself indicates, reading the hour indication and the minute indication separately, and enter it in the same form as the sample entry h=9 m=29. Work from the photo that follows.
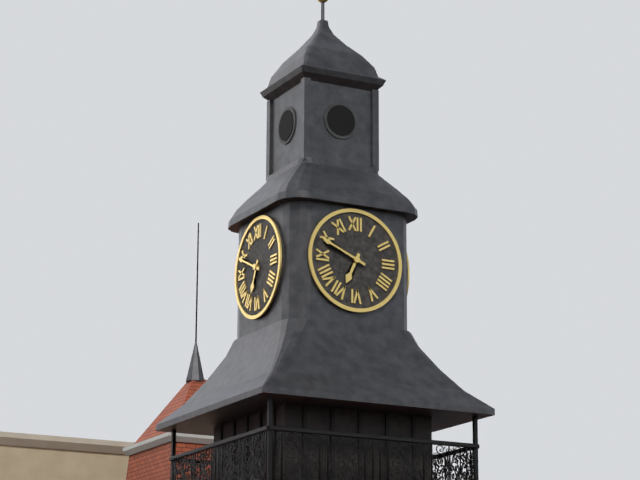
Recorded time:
h=6 m=49
